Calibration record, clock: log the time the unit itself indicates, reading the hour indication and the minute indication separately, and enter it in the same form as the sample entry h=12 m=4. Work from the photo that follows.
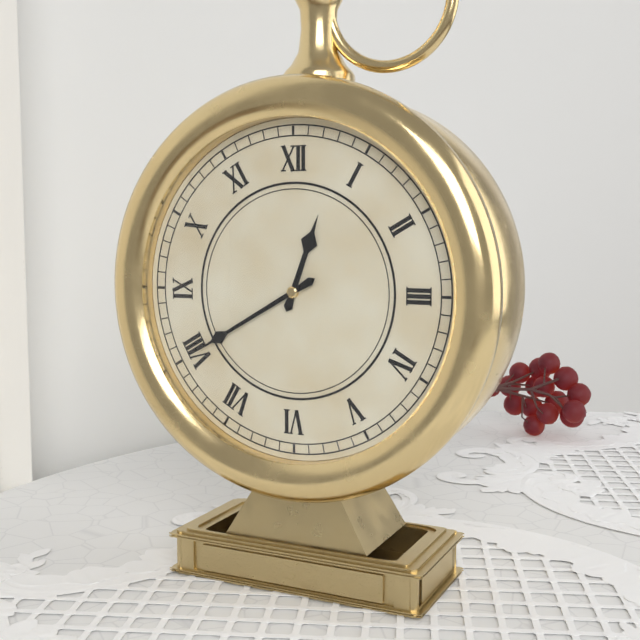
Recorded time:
h=12 m=40
